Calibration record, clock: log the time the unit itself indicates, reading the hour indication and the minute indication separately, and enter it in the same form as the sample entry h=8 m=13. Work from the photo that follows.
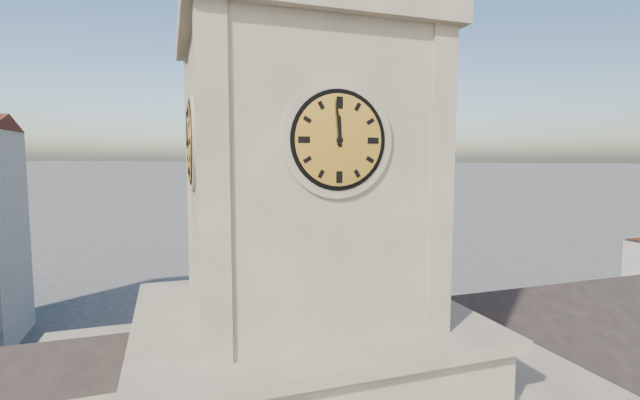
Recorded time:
h=11 m=59
